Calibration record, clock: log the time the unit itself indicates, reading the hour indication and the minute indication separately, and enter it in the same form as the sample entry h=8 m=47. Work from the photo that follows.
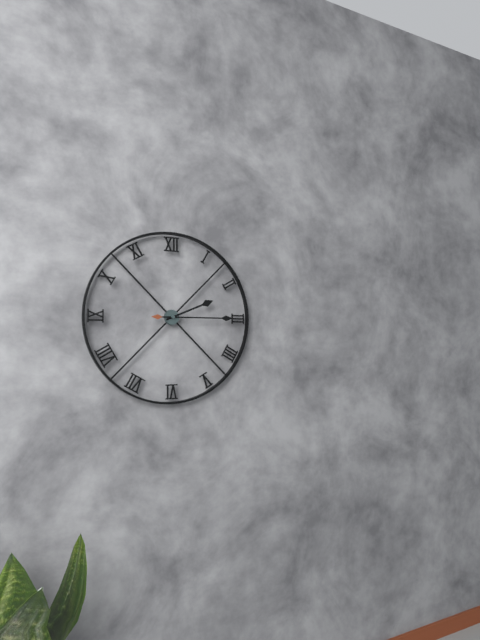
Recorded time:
h=2 m=15
